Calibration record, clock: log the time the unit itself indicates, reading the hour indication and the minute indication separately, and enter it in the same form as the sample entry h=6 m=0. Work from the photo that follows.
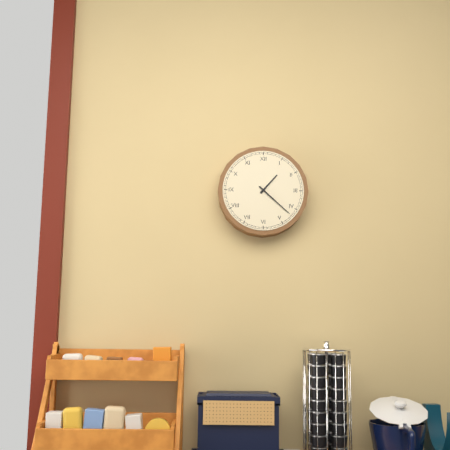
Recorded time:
h=1 m=22
